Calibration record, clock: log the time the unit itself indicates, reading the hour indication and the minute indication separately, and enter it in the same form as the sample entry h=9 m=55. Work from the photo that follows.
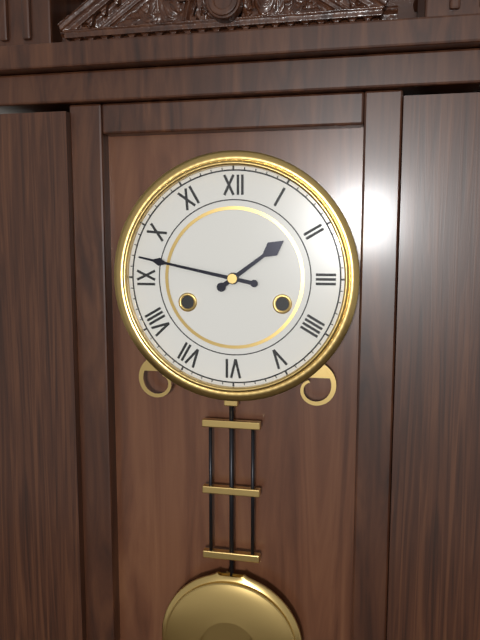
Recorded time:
h=1 m=47
